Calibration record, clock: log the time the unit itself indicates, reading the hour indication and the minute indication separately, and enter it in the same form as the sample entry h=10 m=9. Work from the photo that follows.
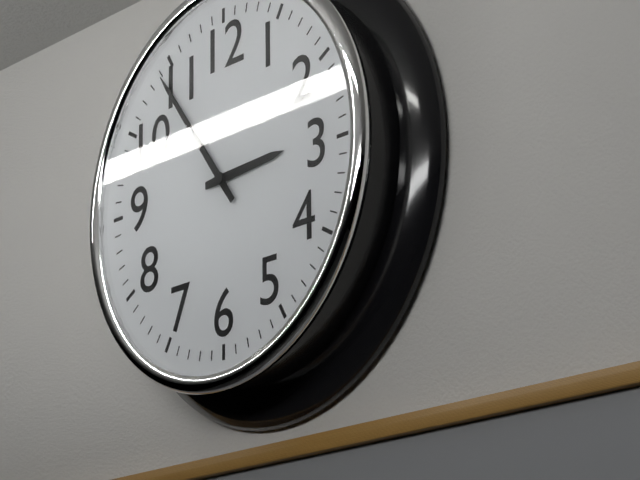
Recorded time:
h=2 m=54
